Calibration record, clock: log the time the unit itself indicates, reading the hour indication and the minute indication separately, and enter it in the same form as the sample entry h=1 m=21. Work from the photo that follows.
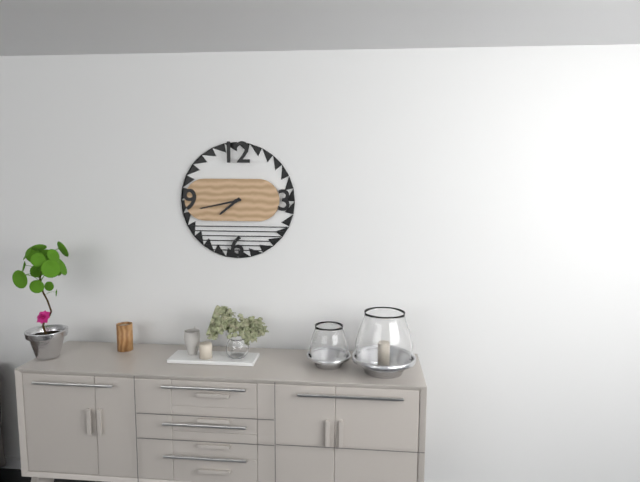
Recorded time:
h=7 m=43
